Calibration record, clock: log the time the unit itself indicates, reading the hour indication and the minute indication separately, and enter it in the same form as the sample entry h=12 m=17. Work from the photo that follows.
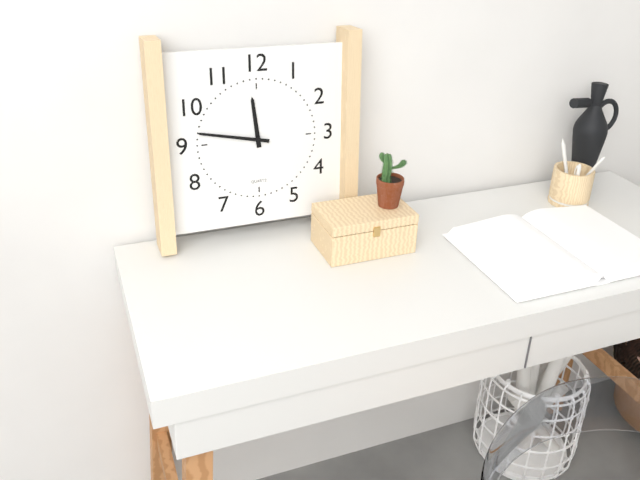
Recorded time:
h=11 m=47
